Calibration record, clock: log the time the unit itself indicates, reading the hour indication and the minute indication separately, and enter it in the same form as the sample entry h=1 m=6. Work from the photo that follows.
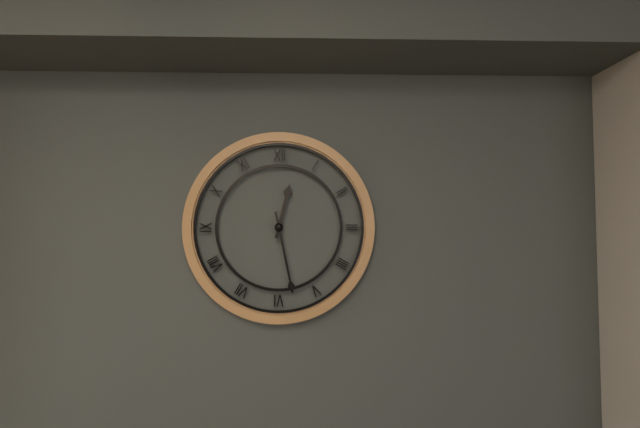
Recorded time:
h=12 m=28
